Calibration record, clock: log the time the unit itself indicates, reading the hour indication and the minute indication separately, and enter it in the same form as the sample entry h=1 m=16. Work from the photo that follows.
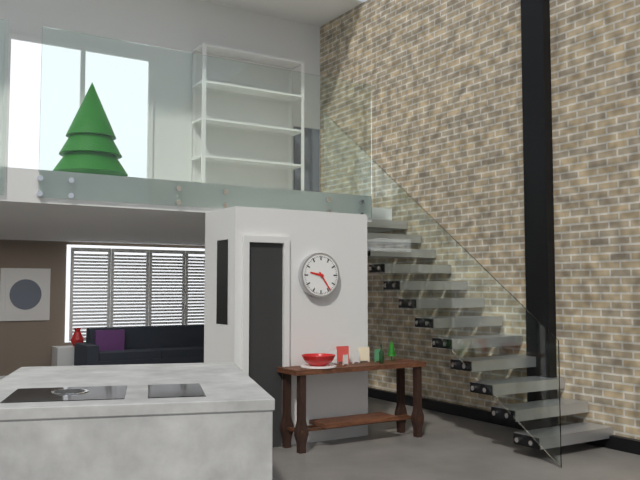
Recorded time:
h=9 m=24
